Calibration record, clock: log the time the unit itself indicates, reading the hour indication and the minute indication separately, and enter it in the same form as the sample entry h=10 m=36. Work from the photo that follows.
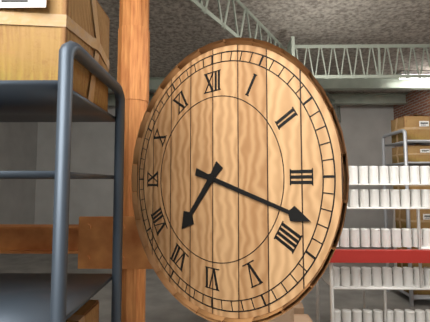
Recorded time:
h=7 m=18
